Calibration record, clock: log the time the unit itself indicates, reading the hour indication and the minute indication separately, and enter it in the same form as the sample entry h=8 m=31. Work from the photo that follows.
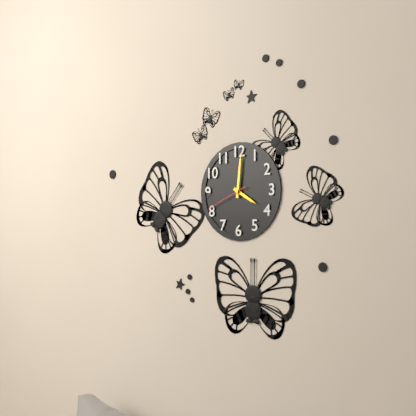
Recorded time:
h=4 m=1
